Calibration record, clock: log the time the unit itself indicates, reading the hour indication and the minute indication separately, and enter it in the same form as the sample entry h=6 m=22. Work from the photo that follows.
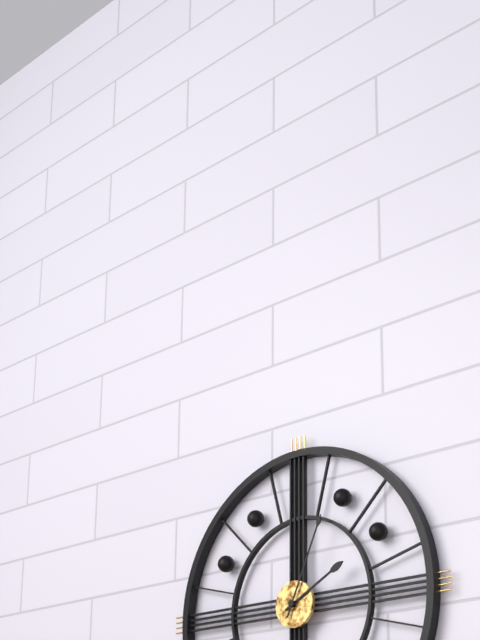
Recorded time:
h=2 m=4
